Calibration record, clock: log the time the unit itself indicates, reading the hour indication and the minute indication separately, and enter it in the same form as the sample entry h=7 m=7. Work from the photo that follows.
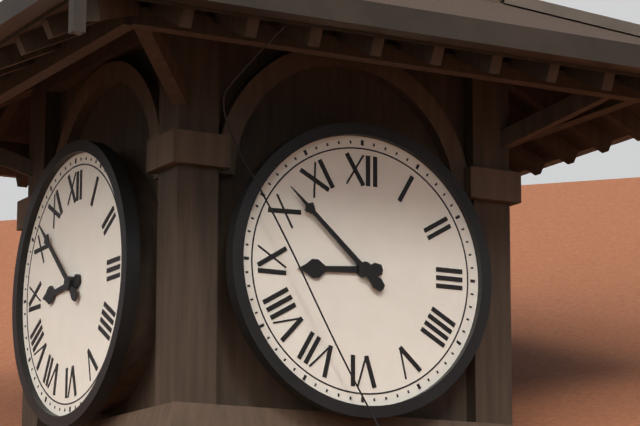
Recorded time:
h=8 m=52
